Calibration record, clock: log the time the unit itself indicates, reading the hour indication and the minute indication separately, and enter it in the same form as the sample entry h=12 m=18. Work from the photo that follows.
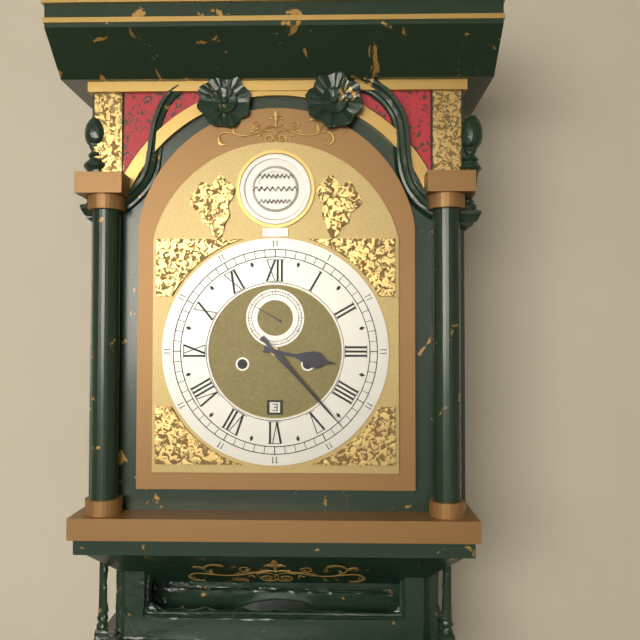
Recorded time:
h=3 m=23
